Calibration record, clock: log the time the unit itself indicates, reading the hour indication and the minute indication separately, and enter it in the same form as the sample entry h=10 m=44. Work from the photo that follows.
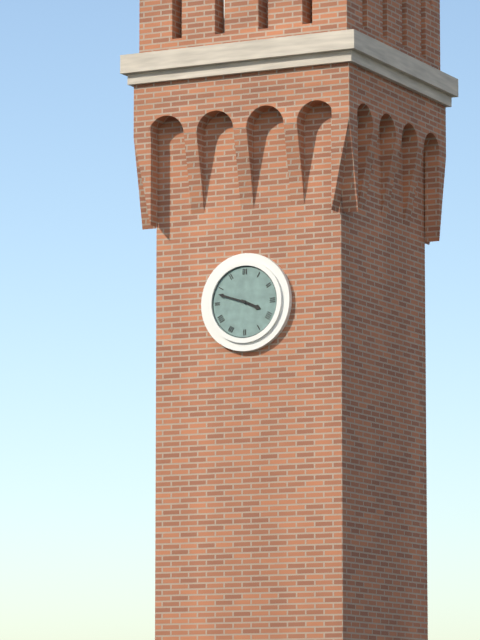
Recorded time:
h=3 m=48
